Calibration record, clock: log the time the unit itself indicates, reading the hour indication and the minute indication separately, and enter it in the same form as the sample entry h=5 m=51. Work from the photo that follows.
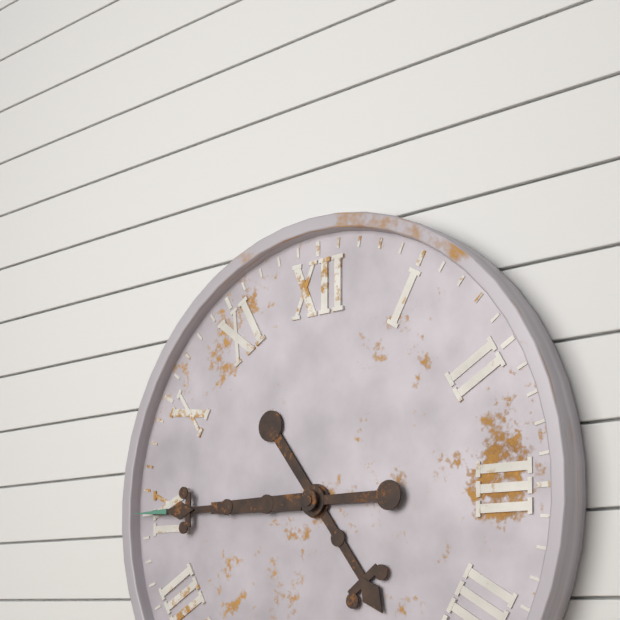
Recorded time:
h=4 m=45
